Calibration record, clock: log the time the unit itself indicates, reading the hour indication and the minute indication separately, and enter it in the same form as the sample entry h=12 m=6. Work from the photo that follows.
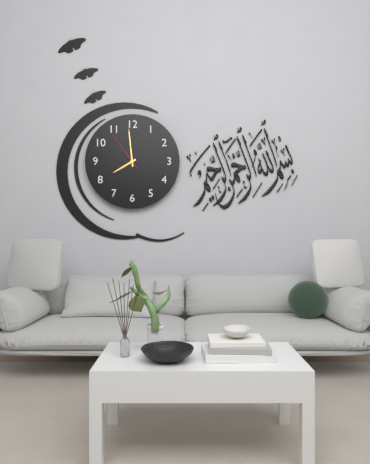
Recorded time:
h=7 m=59
